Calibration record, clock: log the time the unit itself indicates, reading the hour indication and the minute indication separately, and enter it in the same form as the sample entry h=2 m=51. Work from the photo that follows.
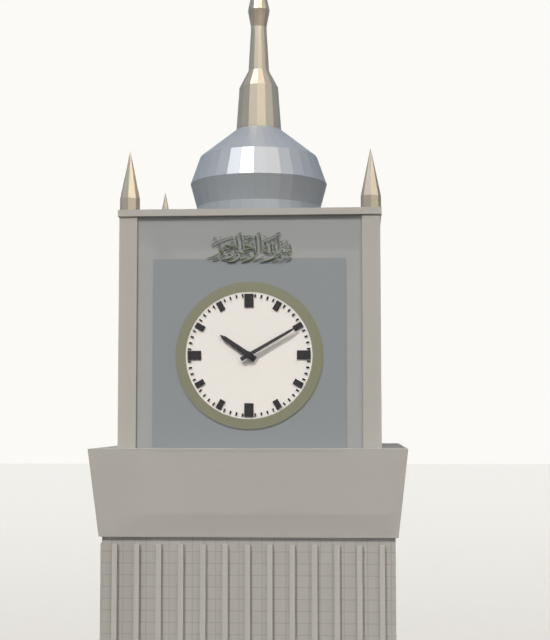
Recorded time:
h=10 m=10
